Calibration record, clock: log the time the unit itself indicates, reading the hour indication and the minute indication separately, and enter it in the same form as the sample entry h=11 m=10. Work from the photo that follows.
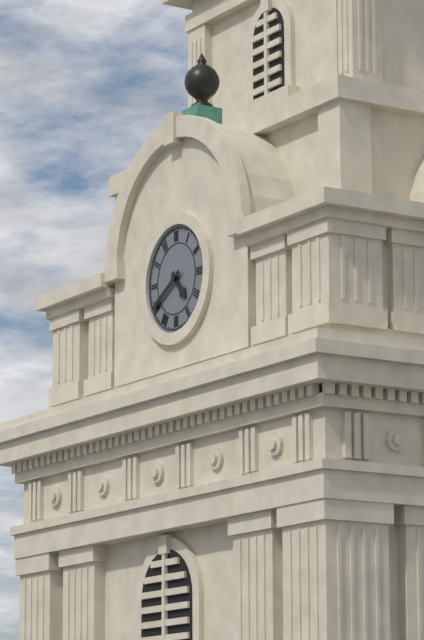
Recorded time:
h=4 m=40
